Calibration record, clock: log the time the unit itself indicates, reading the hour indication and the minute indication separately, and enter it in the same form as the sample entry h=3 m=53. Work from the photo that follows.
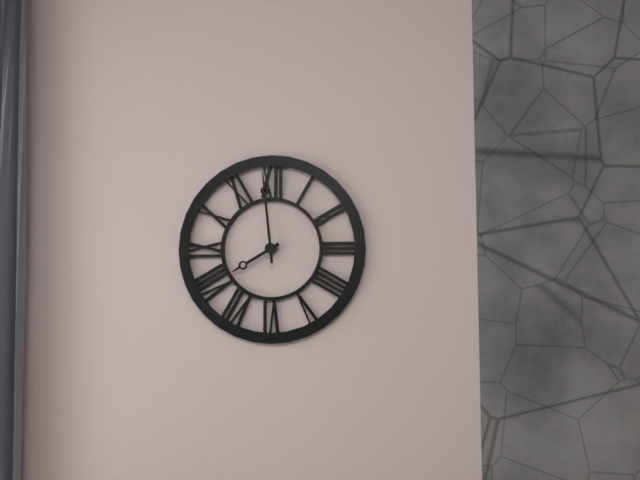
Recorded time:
h=7 m=59
